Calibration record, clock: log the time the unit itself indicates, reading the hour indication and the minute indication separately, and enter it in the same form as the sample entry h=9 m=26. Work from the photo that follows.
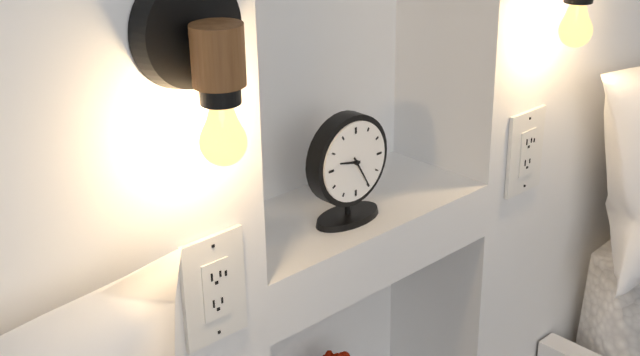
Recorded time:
h=9 m=25
